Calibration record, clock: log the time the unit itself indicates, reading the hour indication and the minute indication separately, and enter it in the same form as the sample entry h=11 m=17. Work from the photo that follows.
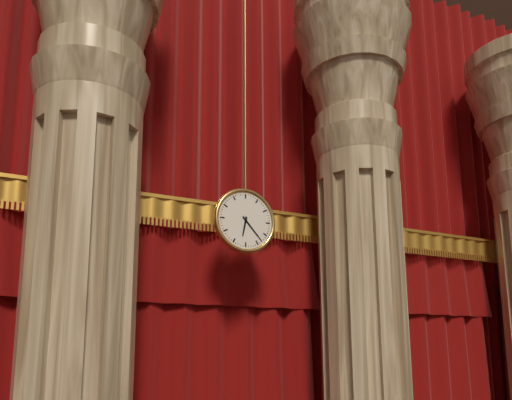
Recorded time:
h=6 m=23
